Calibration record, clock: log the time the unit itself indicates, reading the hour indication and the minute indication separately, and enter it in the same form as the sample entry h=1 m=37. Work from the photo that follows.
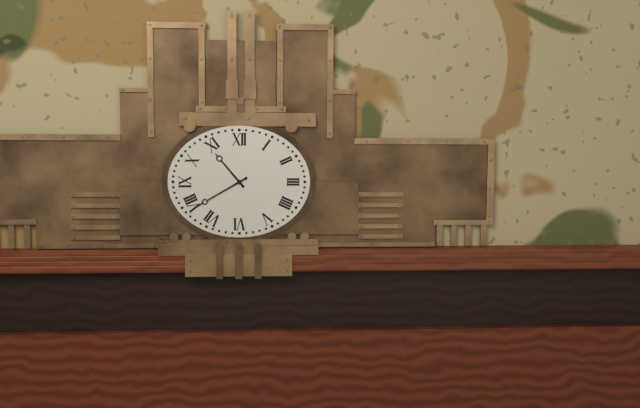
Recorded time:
h=10 m=40
